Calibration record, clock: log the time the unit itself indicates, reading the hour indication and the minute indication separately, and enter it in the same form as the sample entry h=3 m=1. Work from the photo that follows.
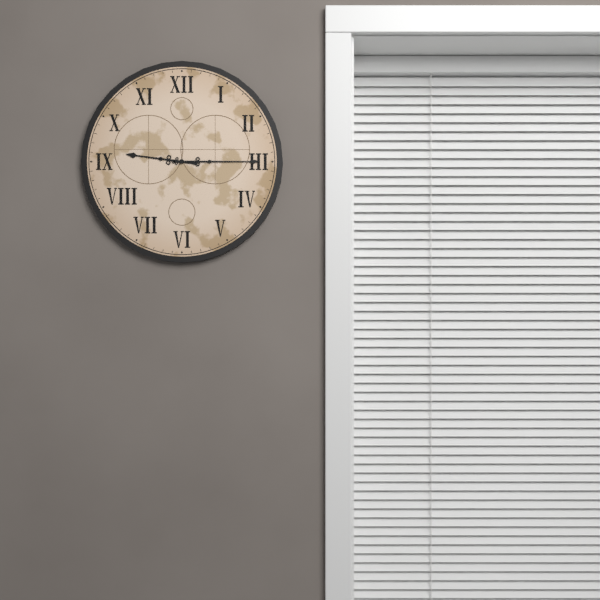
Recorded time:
h=9 m=15
